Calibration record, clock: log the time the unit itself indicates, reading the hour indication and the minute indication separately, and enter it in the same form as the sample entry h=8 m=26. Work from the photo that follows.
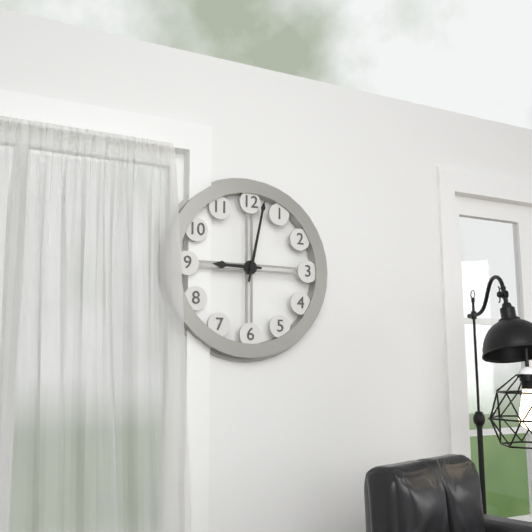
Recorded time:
h=9 m=2
